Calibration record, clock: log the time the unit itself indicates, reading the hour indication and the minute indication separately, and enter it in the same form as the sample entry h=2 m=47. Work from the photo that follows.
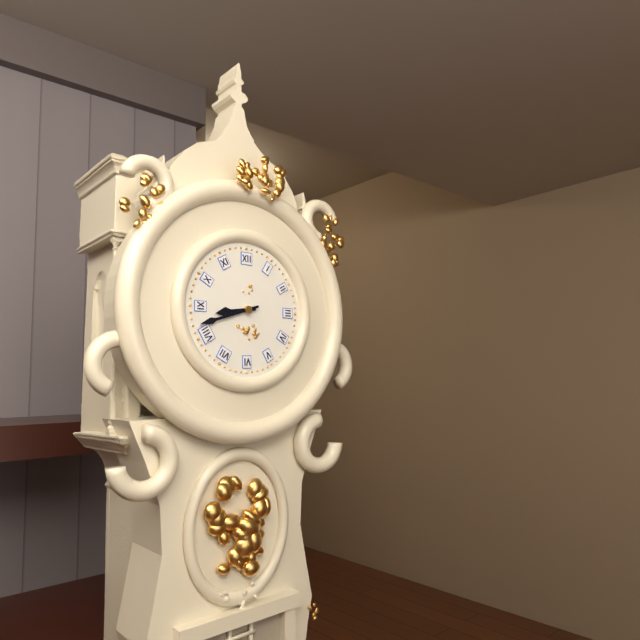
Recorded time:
h=8 m=42
